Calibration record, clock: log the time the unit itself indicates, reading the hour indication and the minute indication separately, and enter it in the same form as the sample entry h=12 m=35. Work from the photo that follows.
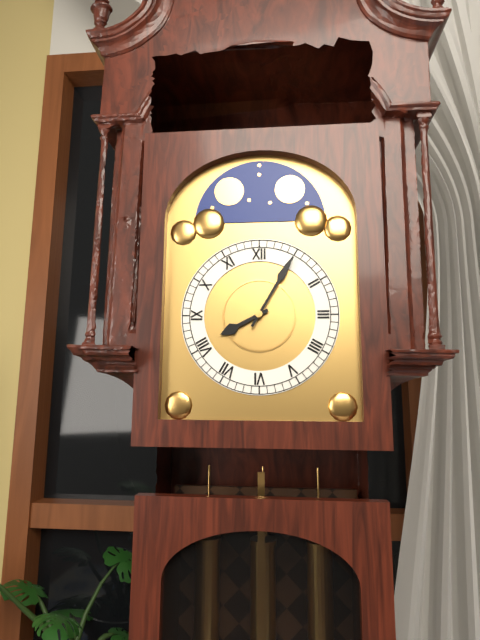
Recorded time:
h=8 m=5
